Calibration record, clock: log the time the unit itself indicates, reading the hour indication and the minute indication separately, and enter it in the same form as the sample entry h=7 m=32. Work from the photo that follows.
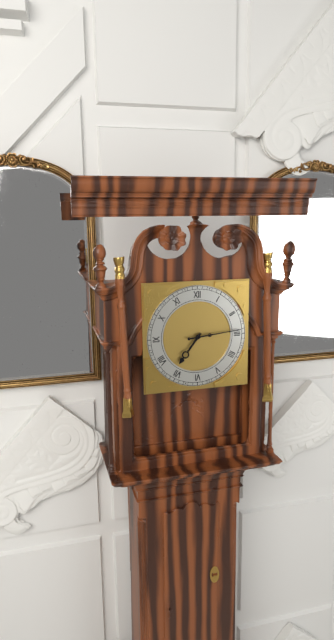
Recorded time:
h=7 m=14
